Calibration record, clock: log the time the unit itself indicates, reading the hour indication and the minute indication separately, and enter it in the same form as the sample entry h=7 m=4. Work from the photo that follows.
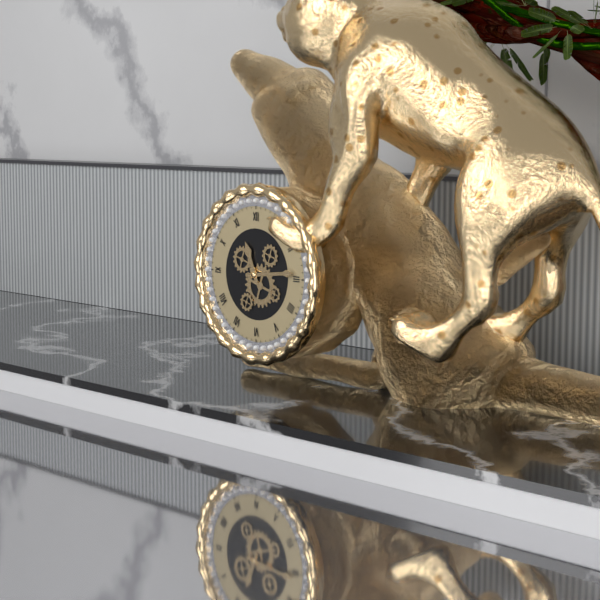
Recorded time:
h=11 m=14
